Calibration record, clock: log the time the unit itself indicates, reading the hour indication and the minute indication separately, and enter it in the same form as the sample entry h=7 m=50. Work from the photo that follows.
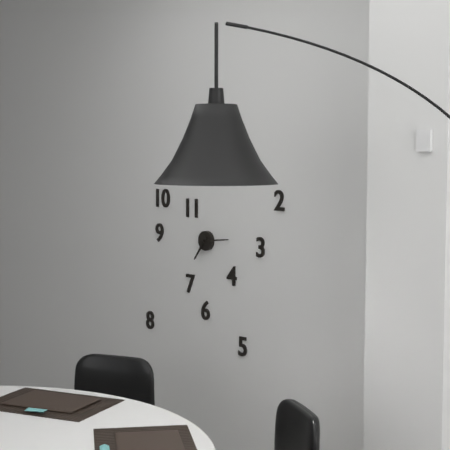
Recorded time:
h=7 m=14
